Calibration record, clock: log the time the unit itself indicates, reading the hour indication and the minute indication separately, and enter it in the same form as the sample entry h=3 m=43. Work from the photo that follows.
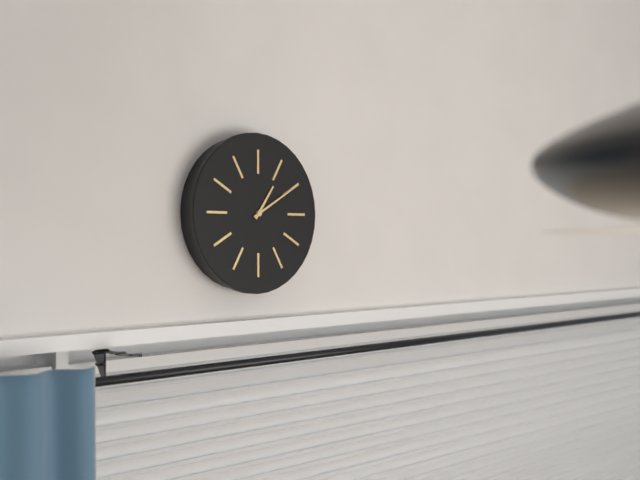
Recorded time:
h=1 m=10
